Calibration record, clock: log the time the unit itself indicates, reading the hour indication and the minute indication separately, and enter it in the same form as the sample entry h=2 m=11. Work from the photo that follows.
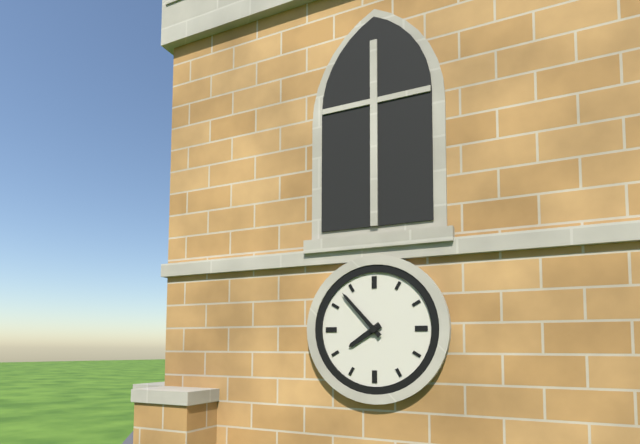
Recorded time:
h=7 m=53
